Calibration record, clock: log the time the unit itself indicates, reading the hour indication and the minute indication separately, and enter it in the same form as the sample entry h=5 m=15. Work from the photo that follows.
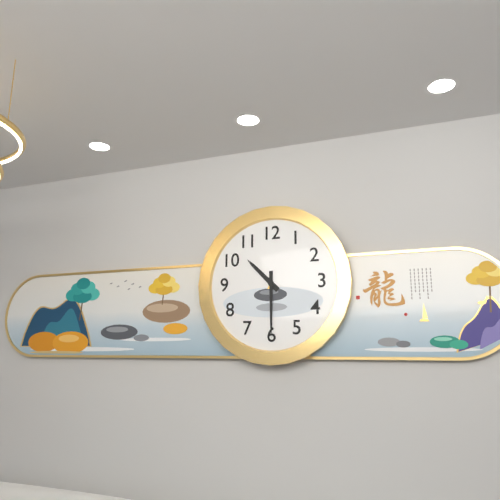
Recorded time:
h=10 m=30
